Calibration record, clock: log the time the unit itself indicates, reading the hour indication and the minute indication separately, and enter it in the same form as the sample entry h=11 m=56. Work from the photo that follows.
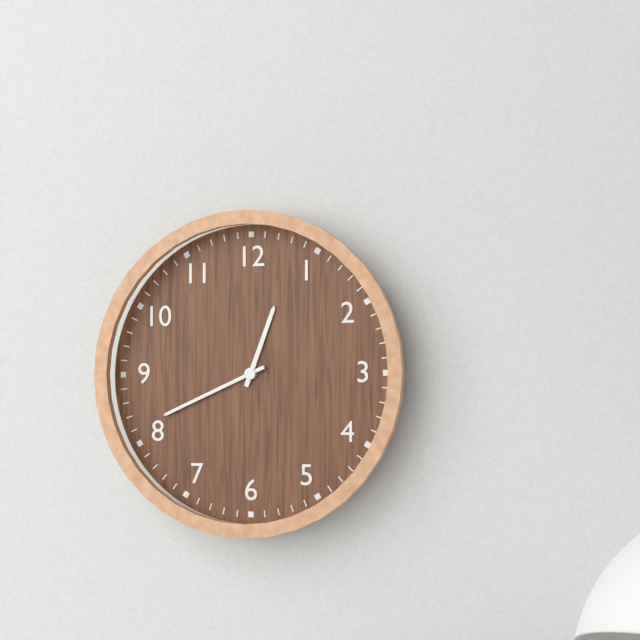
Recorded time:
h=12 m=41
